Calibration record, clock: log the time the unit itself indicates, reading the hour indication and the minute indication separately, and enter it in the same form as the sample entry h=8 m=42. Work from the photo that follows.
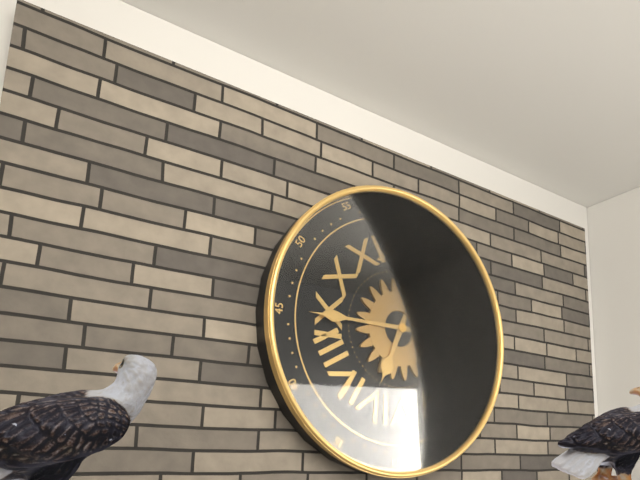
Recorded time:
h=6 m=45
